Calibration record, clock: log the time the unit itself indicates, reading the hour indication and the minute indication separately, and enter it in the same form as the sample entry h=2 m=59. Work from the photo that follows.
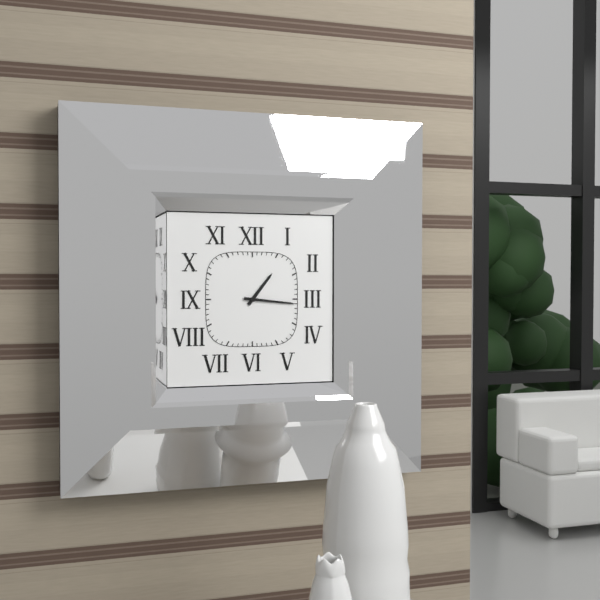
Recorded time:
h=1 m=16
